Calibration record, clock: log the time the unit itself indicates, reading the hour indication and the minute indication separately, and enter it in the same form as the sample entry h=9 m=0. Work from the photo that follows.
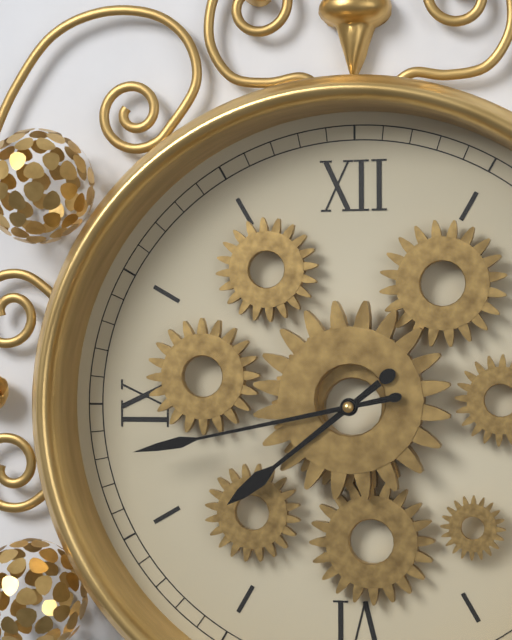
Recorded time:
h=7 m=43
